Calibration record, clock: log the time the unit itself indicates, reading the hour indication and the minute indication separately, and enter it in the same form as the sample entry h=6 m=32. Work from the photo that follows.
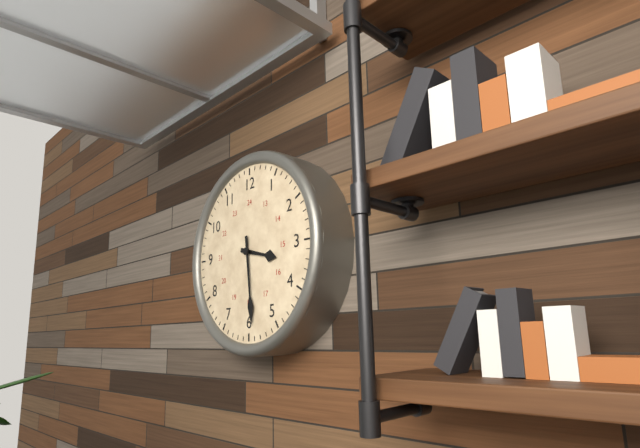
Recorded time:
h=3 m=29
